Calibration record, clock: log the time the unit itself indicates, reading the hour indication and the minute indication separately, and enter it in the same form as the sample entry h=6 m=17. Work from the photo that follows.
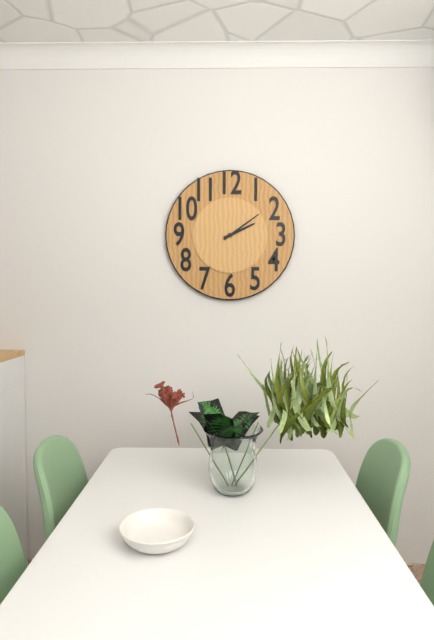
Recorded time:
h=2 m=9
